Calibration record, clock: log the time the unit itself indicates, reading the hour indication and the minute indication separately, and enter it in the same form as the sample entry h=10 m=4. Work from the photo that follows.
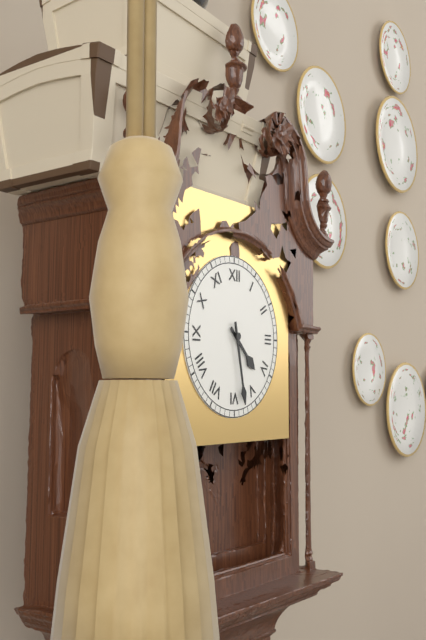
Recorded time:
h=4 m=28
